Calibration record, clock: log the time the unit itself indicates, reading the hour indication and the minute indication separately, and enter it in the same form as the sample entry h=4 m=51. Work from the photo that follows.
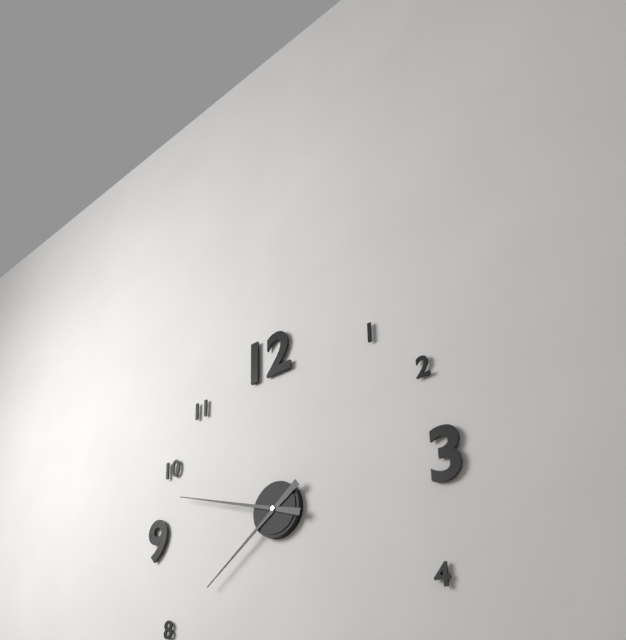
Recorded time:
h=7 m=48
